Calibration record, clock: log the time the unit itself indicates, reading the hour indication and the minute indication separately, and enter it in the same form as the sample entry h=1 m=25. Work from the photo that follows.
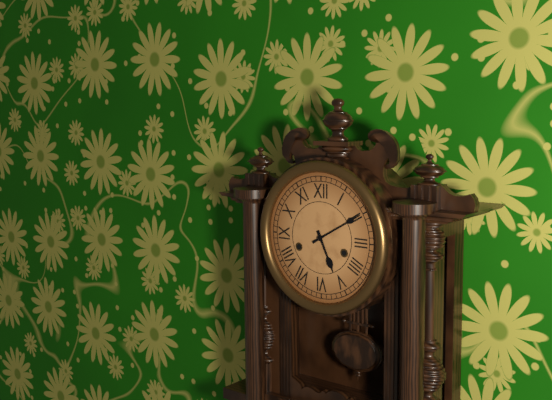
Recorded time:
h=5 m=10
